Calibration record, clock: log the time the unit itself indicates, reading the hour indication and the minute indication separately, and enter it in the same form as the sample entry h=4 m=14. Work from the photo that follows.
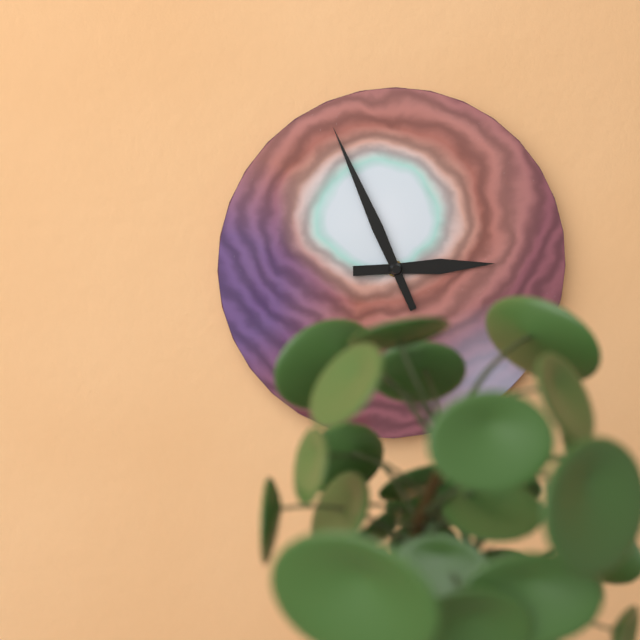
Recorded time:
h=2 m=56
